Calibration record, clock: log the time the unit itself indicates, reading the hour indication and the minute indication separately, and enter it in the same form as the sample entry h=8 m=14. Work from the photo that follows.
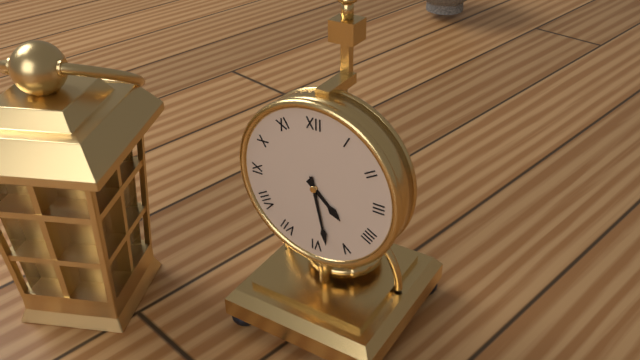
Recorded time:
h=4 m=28
